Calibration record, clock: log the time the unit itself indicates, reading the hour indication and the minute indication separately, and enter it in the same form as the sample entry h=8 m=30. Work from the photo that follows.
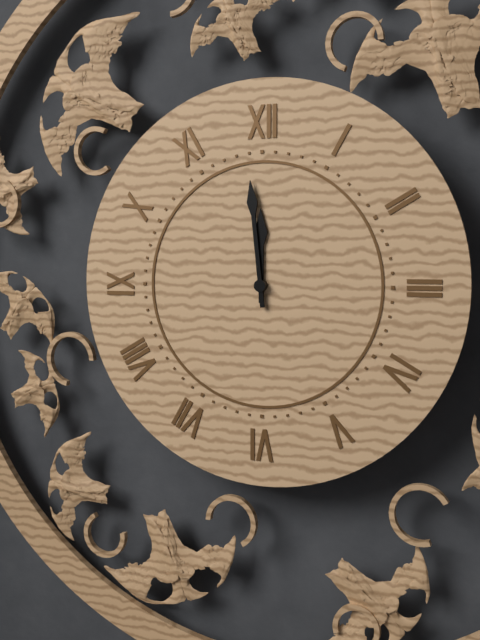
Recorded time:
h=11 m=59
